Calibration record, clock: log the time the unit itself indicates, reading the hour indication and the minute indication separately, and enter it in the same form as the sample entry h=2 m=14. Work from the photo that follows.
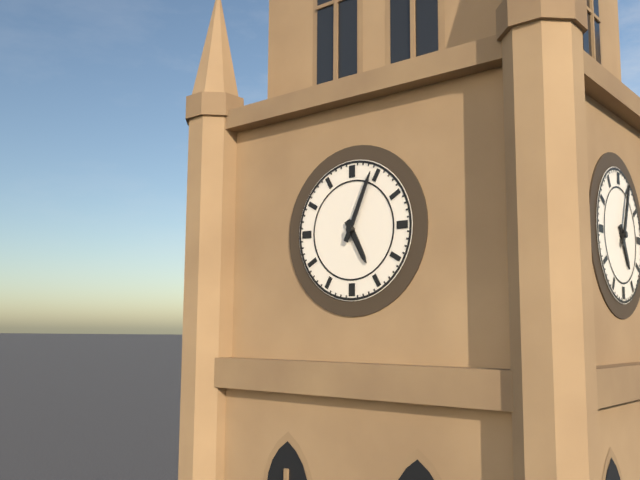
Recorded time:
h=5 m=4
